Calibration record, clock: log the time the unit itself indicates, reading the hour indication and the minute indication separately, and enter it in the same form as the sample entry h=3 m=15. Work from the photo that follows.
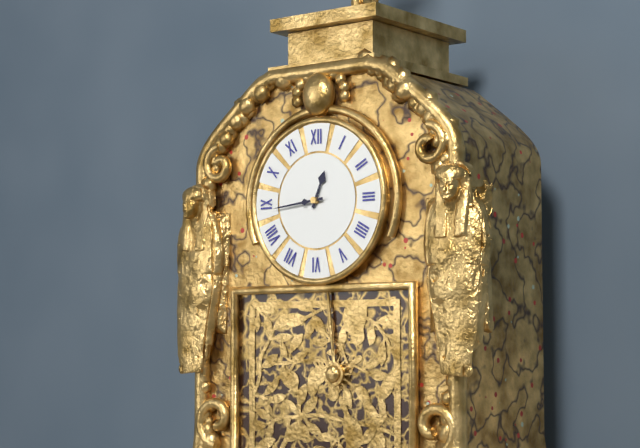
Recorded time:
h=12 m=44
